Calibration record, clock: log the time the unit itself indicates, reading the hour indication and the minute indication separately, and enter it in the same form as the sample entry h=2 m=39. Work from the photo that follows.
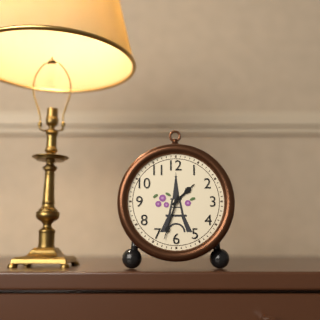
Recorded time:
h=1 m=33
